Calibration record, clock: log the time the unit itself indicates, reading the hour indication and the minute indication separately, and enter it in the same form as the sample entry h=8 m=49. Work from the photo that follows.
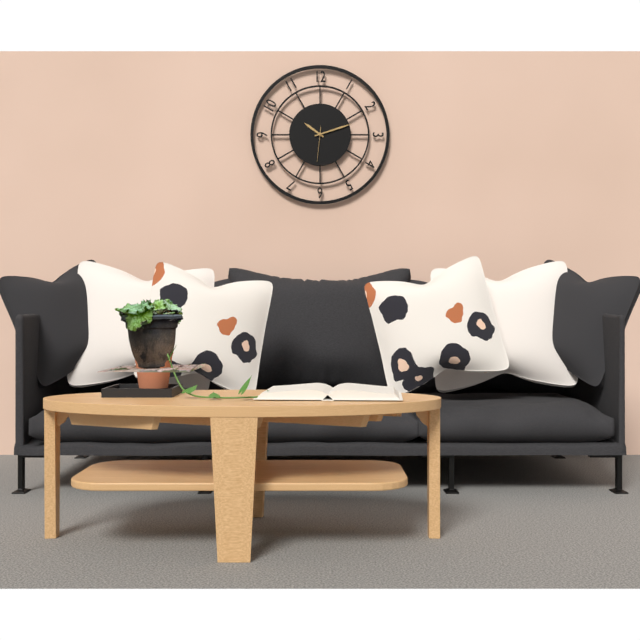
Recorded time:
h=10 m=12
